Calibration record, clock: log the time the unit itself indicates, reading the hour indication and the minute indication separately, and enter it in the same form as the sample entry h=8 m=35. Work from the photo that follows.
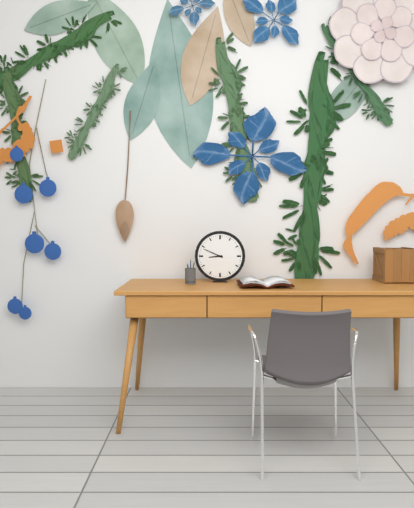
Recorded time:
h=8 m=49
